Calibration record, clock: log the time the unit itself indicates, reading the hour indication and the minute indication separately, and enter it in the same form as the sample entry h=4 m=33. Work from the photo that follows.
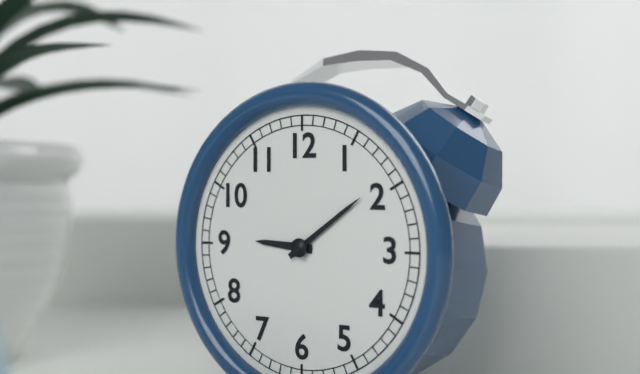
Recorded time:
h=9 m=9
